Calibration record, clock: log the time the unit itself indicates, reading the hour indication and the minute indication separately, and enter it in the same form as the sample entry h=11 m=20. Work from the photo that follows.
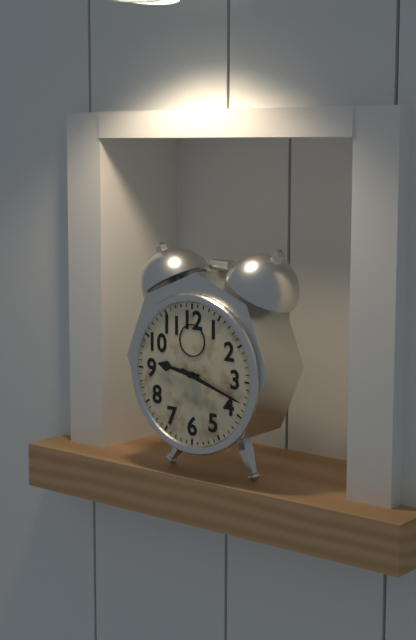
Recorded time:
h=9 m=18
